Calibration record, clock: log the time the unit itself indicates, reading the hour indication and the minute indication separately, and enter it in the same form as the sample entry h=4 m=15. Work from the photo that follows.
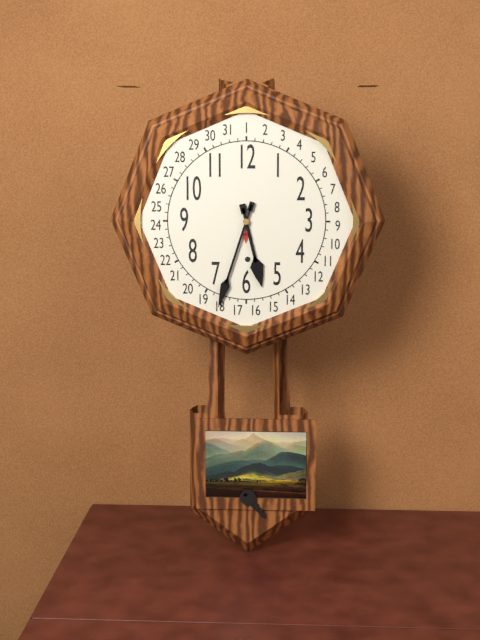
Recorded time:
h=5 m=33
